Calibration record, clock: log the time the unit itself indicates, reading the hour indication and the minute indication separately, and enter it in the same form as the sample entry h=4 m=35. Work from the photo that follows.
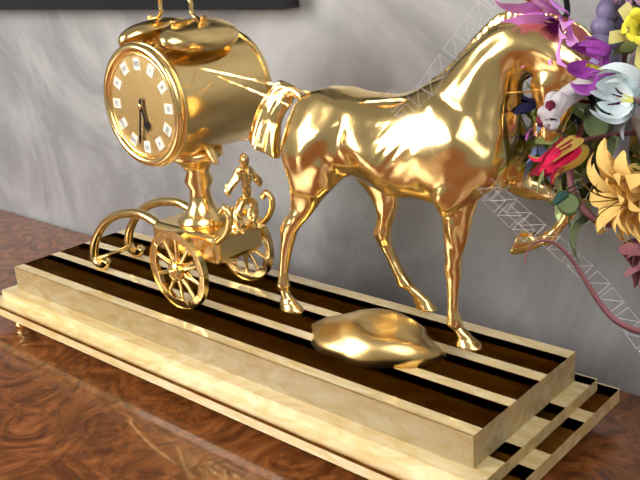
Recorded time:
h=5 m=32
